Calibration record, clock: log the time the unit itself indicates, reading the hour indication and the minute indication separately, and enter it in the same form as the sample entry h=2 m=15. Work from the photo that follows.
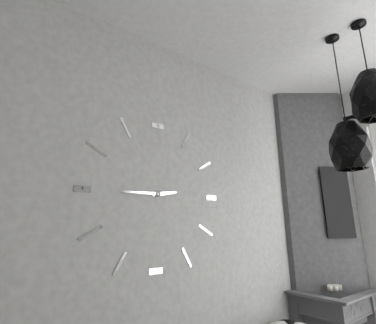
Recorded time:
h=2 m=45
